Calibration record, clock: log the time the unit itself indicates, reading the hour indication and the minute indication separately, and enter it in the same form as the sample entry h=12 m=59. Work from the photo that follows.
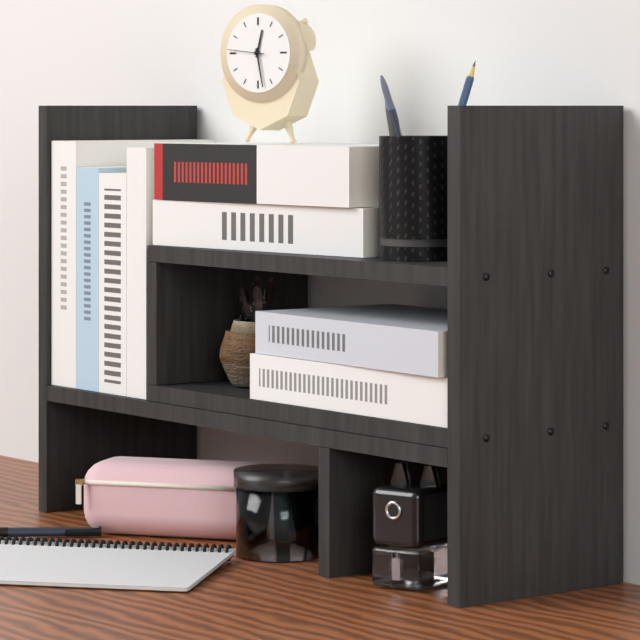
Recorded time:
h=12 m=28
